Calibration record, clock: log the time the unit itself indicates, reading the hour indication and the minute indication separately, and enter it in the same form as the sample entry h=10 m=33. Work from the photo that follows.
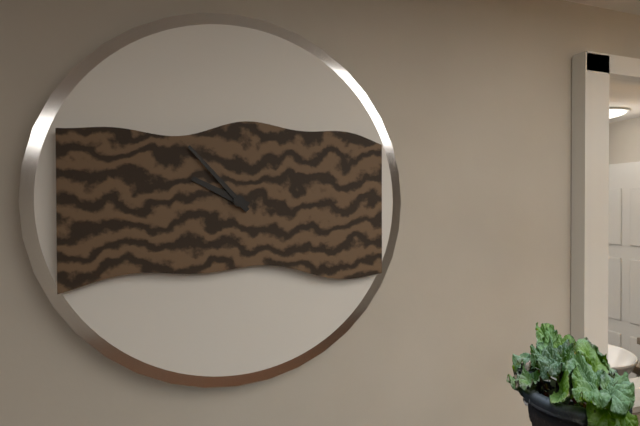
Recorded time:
h=9 m=53
